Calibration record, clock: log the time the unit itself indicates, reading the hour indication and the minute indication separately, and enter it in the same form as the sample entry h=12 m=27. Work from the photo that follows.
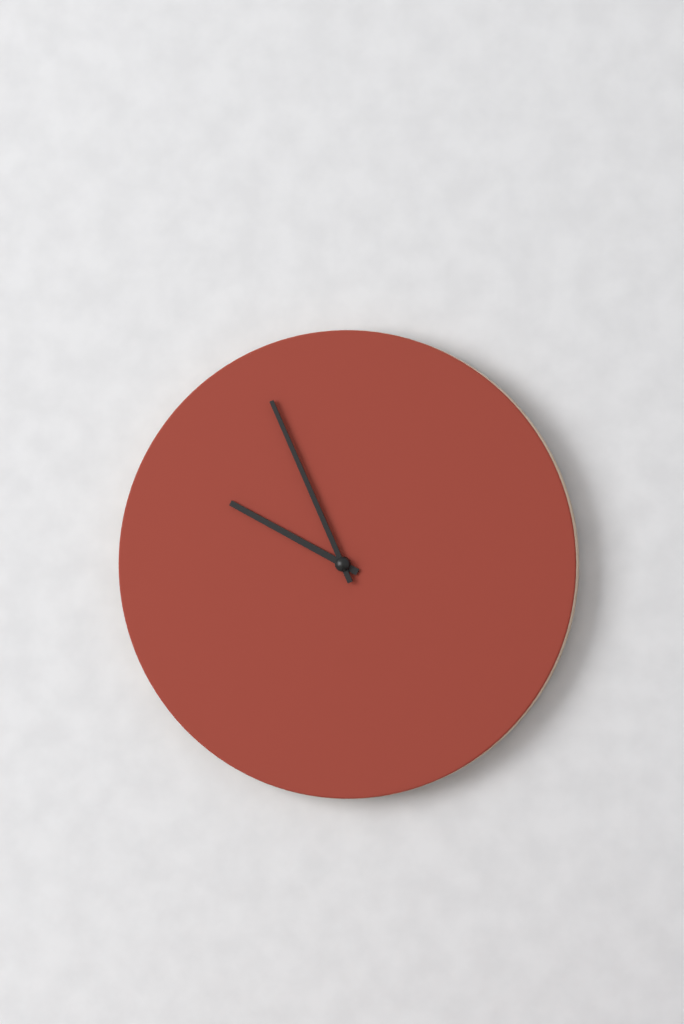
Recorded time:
h=9 m=56
